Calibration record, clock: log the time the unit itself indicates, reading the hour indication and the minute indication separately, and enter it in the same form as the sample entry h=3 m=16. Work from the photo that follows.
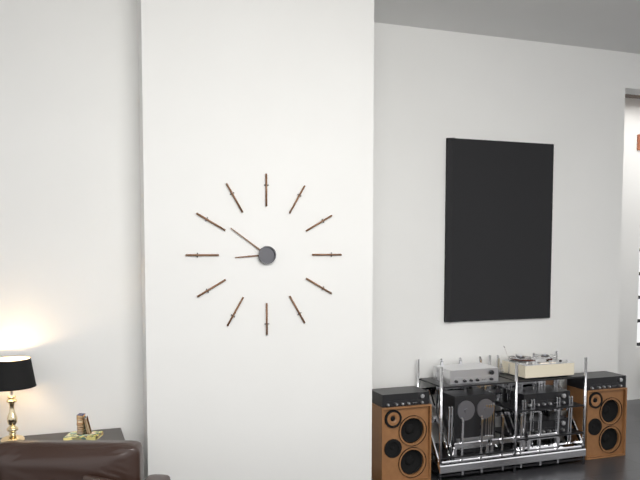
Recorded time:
h=8 m=51
